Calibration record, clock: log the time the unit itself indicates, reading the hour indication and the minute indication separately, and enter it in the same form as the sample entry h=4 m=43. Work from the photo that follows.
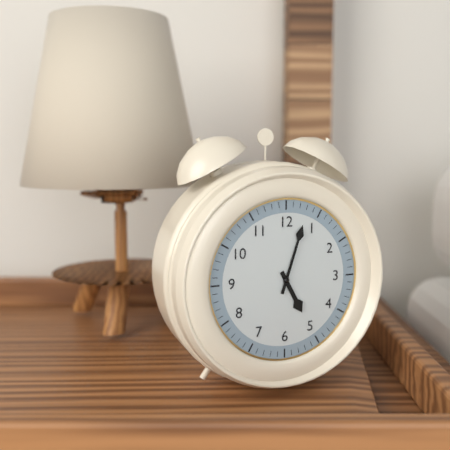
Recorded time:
h=5 m=3
